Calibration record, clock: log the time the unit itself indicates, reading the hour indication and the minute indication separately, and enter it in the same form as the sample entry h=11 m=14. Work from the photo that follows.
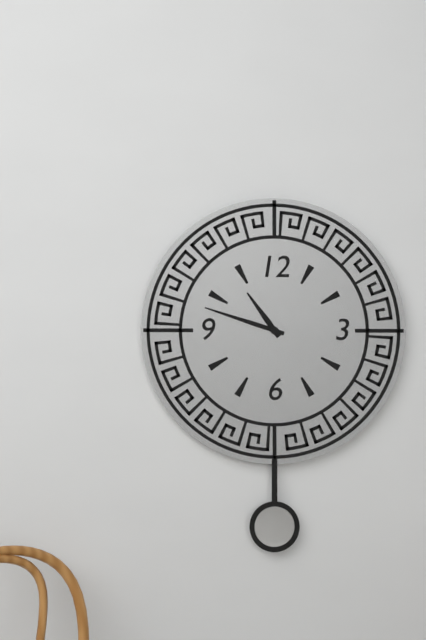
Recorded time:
h=10 m=48
